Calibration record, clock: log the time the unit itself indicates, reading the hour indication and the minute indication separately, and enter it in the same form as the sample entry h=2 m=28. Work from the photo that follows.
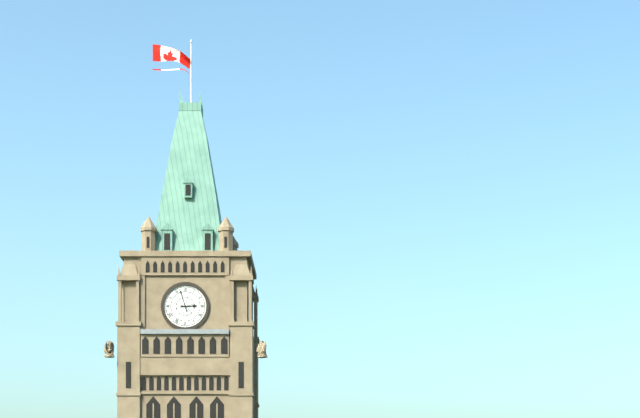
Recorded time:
h=2 m=57
